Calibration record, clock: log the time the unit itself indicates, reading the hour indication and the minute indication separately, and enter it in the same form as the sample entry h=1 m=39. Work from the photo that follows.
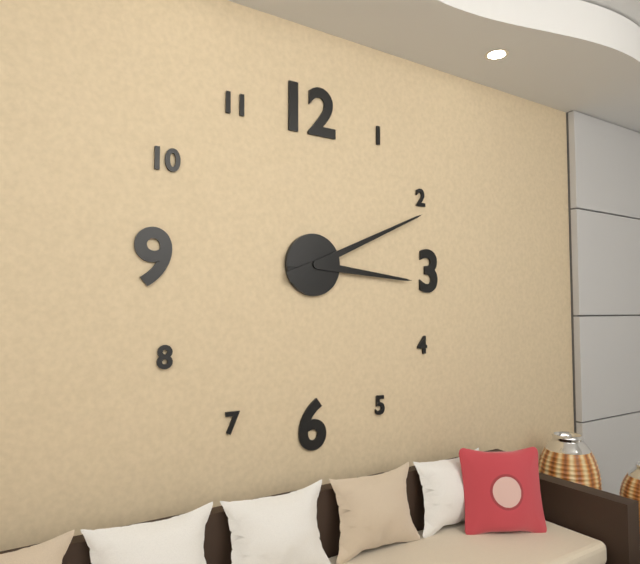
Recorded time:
h=3 m=11
